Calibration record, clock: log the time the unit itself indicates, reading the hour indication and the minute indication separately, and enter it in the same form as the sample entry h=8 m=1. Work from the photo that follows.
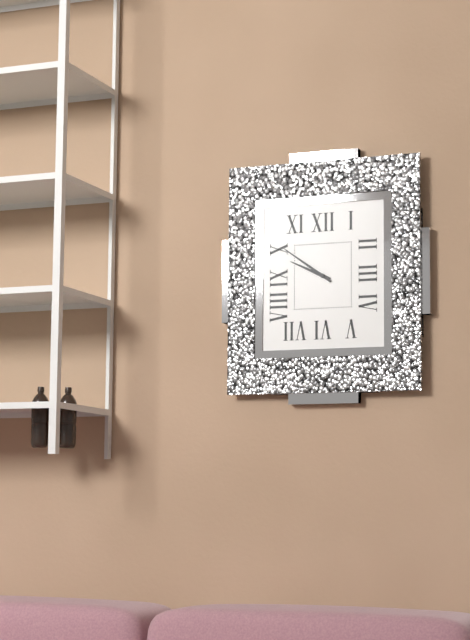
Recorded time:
h=9 m=51
